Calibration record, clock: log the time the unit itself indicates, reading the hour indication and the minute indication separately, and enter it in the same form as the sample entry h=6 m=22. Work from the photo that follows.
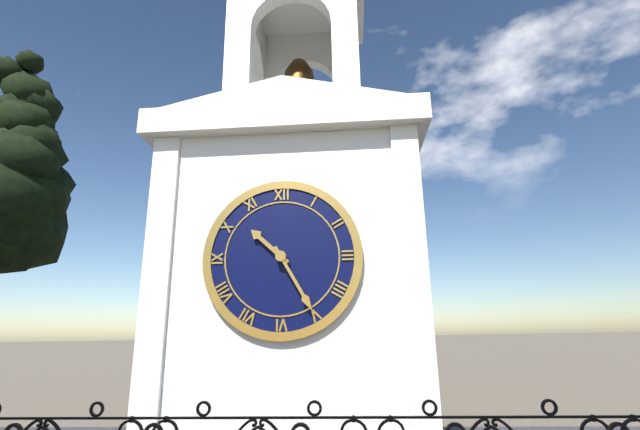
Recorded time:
h=10 m=25
